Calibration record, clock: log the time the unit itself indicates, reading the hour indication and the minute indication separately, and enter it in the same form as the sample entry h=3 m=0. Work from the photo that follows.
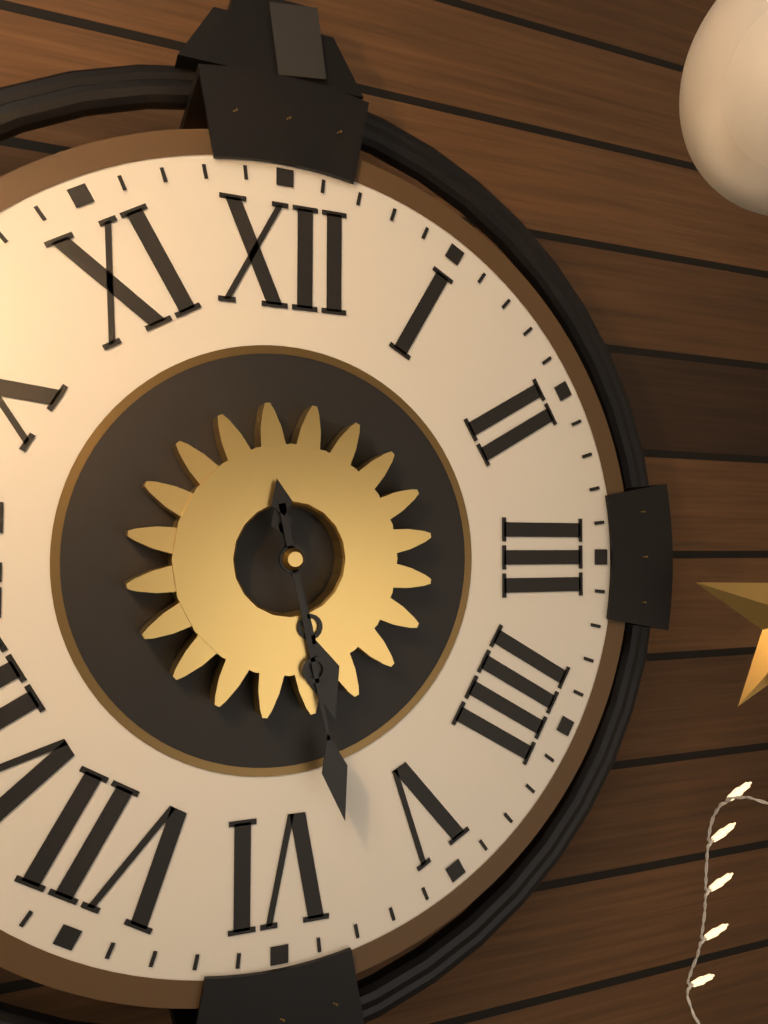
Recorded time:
h=5 m=28
